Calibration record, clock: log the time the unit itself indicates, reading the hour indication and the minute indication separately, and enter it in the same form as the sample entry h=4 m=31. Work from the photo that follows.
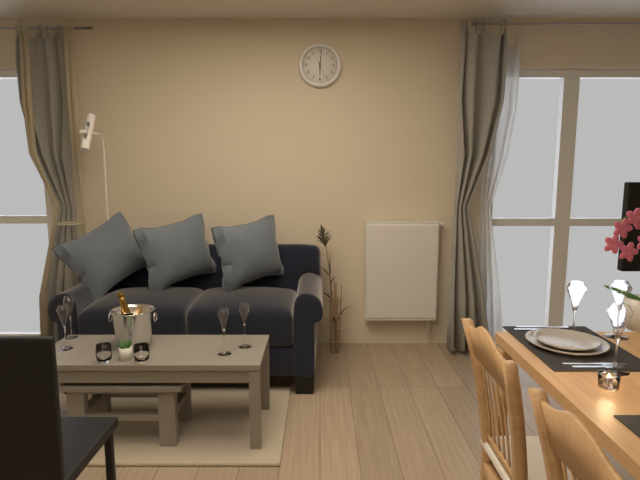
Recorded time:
h=6 m=1
